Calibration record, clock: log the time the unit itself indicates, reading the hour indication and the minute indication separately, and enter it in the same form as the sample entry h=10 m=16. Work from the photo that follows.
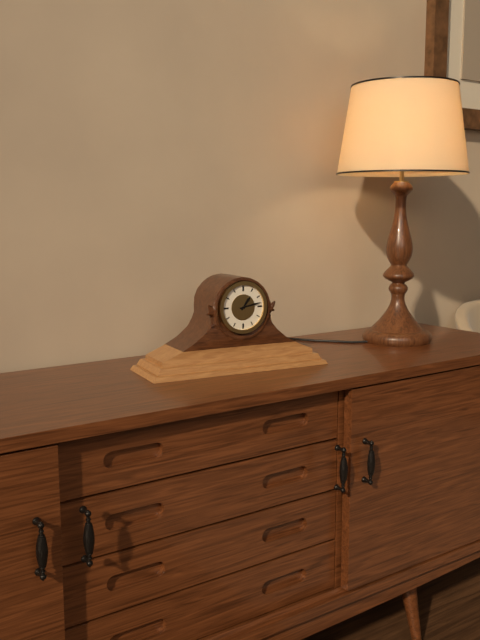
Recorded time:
h=1 m=13
